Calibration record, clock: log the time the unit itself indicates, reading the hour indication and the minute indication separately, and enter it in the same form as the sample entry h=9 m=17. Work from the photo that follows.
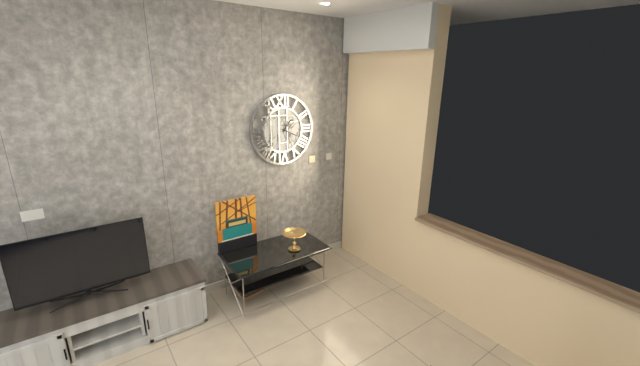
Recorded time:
h=1 m=19
